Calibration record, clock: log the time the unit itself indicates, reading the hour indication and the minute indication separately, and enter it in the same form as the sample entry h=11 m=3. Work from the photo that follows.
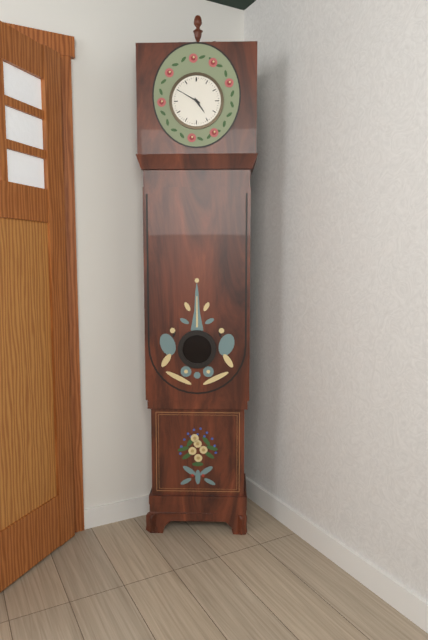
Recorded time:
h=4 m=50
